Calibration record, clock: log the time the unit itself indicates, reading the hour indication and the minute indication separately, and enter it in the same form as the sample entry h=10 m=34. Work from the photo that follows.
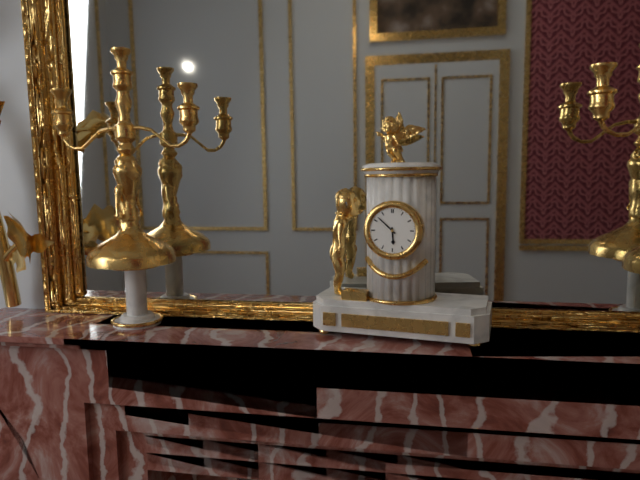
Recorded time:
h=5 m=52
